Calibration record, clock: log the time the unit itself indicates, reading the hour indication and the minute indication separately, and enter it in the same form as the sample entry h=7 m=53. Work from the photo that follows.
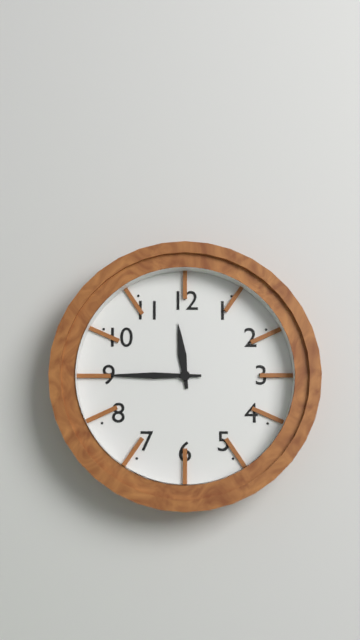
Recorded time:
h=11 m=45
